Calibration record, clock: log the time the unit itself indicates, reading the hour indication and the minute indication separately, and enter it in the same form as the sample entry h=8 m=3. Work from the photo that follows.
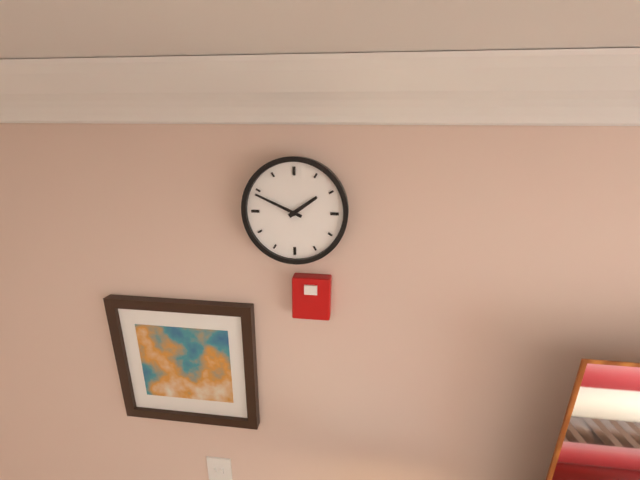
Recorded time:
h=1 m=49
